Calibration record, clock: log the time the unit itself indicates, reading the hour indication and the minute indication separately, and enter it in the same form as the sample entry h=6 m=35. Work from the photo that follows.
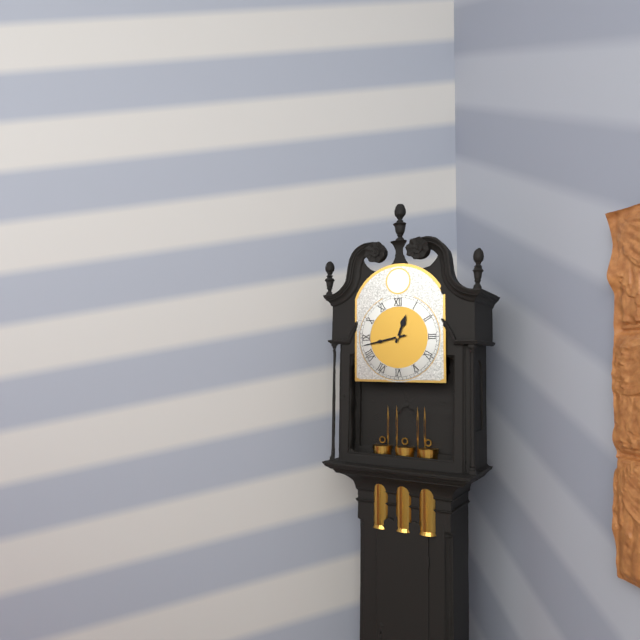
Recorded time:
h=12 m=43
